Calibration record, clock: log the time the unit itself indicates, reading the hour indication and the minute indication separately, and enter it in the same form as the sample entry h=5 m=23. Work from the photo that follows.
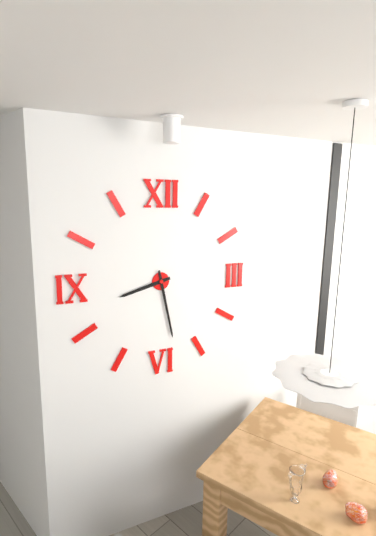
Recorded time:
h=8 m=28
